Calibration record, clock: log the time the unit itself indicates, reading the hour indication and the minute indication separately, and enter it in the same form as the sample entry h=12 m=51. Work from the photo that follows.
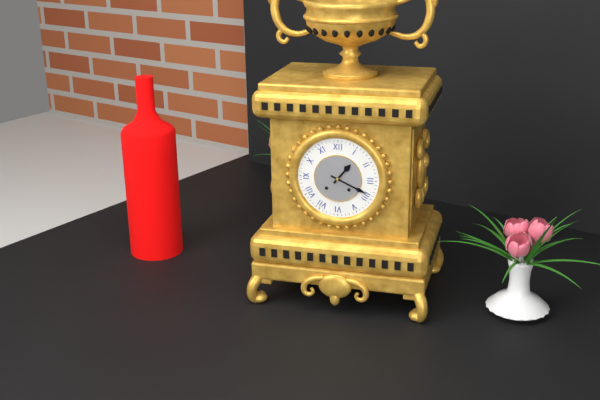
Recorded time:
h=1 m=19
